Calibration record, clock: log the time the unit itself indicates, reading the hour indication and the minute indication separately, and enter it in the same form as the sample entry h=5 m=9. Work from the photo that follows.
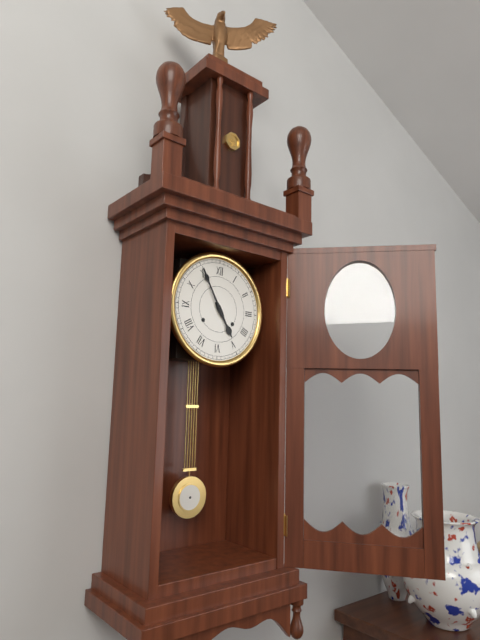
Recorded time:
h=4 m=55
